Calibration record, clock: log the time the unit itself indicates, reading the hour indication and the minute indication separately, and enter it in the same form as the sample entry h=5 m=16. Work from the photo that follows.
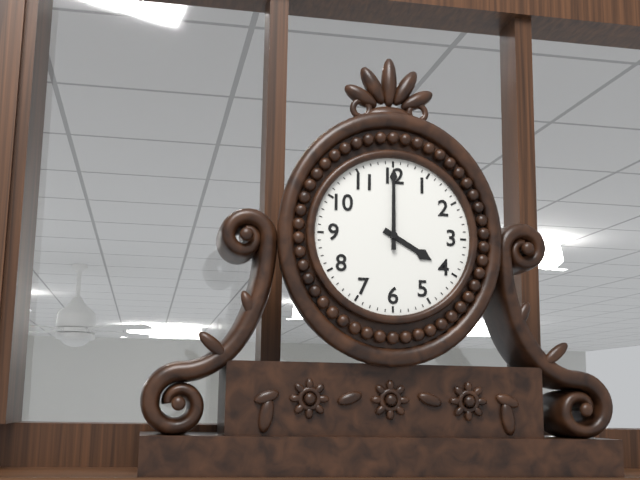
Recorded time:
h=4 m=0
